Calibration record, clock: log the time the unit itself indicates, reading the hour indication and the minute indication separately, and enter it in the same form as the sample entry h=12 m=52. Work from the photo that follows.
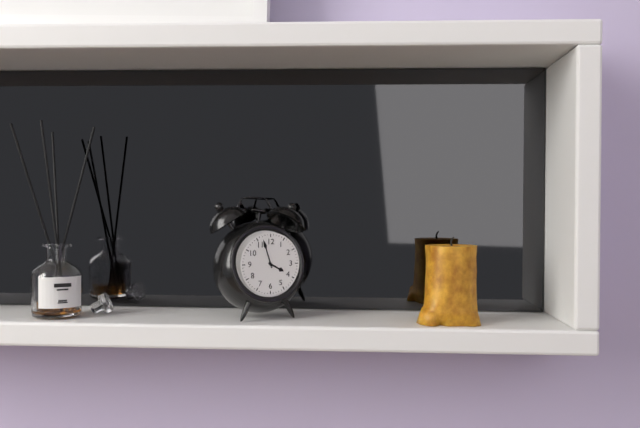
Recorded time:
h=3 m=57
